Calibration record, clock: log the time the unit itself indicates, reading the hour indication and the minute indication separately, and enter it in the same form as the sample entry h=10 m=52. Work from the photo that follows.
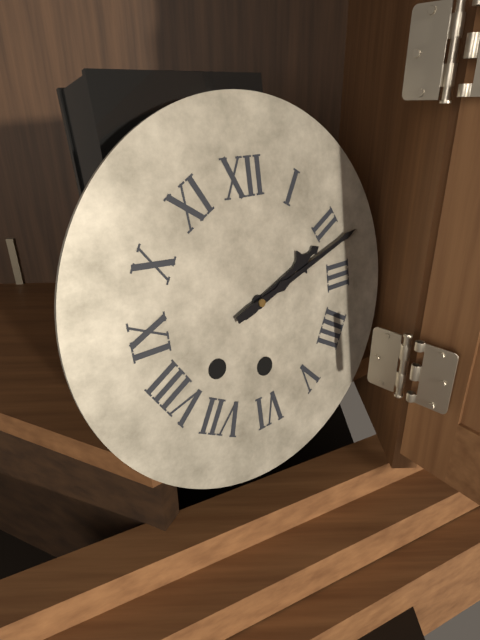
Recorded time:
h=2 m=12
